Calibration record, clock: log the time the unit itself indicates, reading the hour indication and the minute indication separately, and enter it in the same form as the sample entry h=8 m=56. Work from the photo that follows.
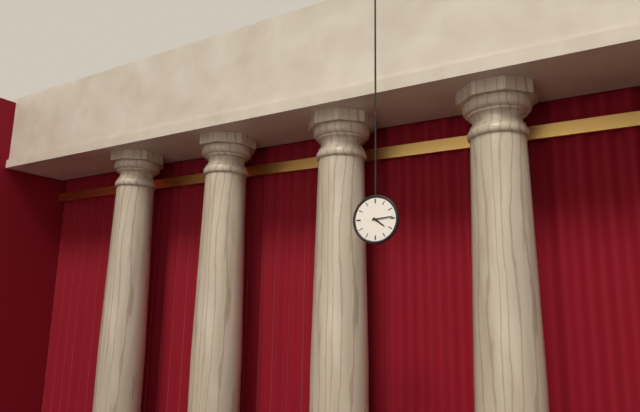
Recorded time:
h=4 m=14
